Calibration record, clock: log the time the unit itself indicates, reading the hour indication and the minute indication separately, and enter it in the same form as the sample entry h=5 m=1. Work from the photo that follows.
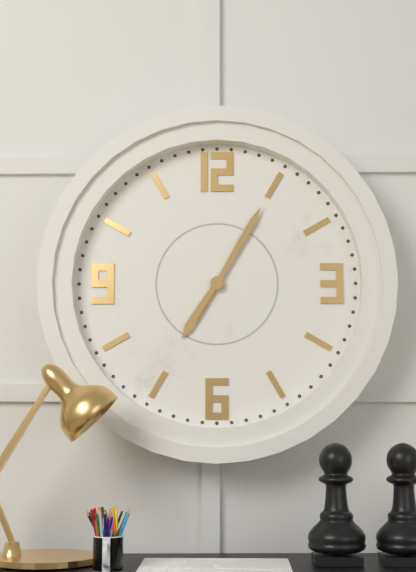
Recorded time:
h=7 m=5
